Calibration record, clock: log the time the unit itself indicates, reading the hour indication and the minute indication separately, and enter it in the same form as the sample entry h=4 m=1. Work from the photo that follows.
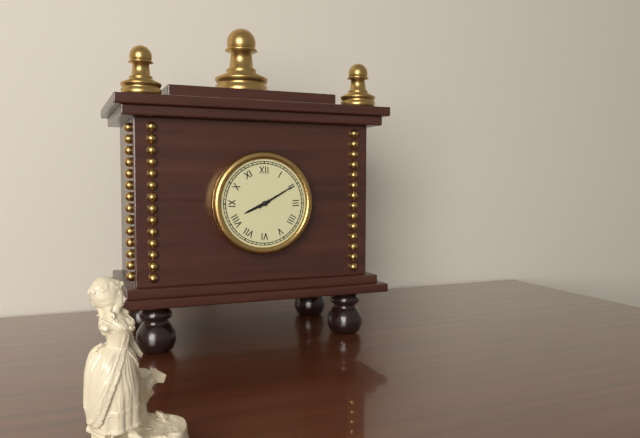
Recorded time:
h=8 m=10
